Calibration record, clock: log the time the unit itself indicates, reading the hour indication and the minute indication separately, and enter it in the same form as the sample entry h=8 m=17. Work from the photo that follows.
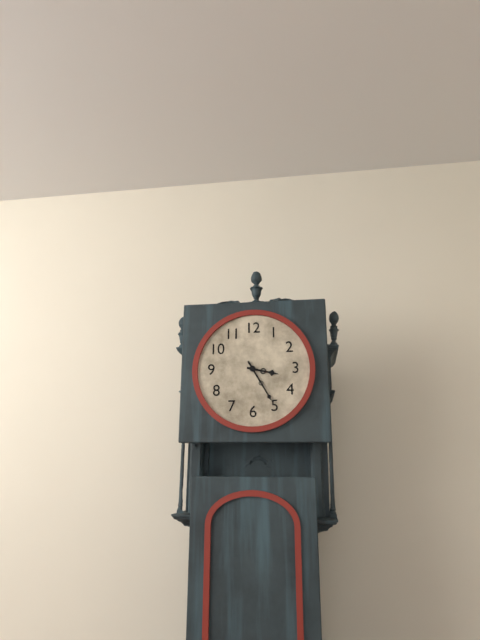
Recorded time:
h=3 m=25
